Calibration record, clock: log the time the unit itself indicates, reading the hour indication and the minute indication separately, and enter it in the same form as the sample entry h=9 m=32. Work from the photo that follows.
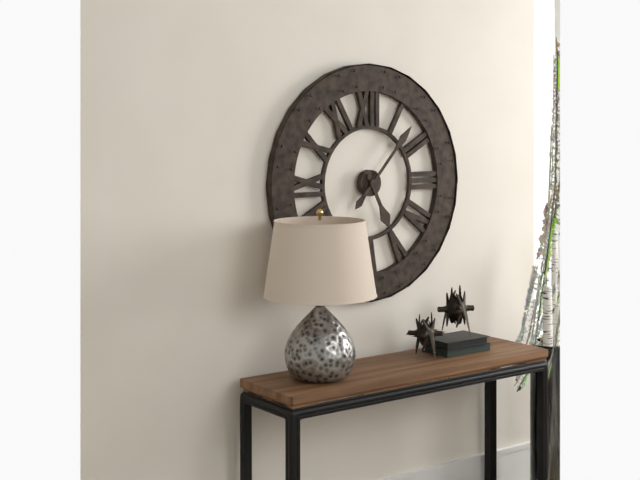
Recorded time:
h=5 m=7
